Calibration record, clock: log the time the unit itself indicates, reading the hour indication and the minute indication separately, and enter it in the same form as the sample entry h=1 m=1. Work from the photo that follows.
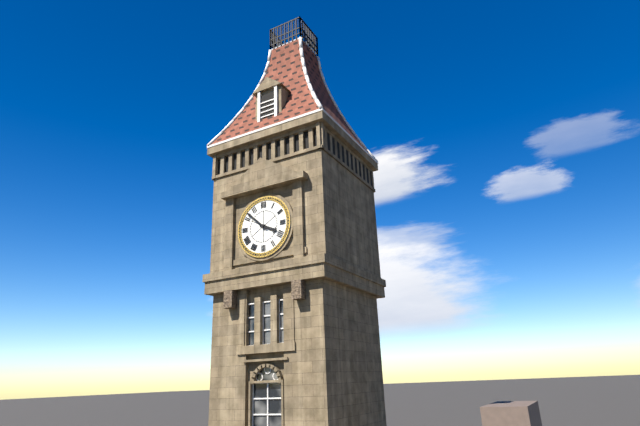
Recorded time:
h=3 m=52
